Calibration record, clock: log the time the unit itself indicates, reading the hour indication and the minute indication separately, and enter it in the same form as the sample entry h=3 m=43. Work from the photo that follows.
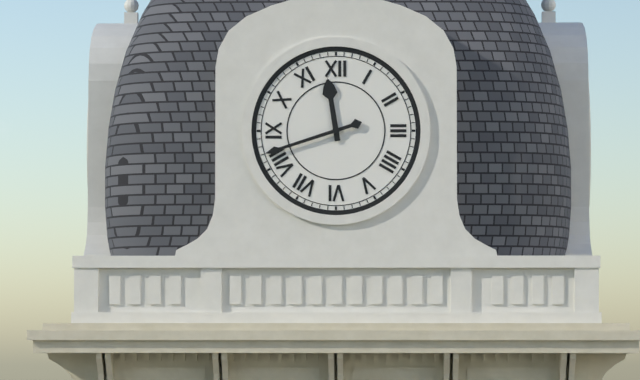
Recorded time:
h=11 m=42
